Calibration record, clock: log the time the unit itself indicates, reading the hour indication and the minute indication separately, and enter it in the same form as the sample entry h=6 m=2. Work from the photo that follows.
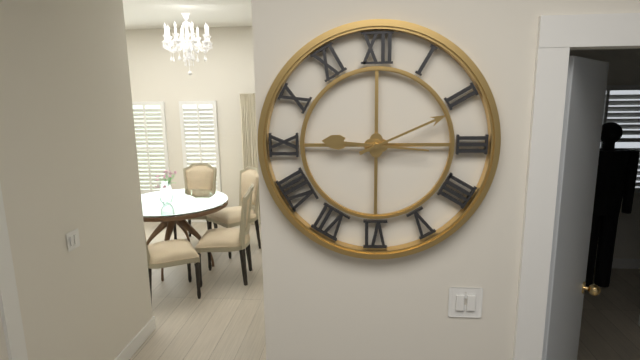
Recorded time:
h=9 m=11
